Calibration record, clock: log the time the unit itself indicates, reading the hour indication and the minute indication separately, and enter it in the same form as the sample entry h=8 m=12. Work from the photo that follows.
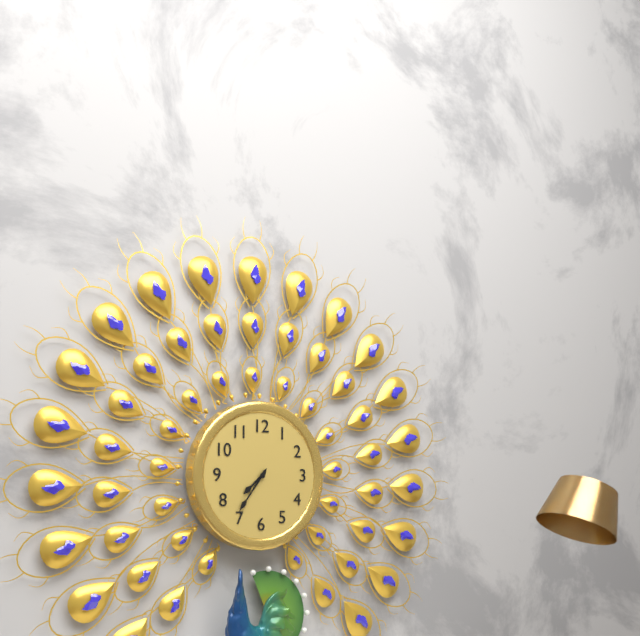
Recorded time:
h=7 m=36
